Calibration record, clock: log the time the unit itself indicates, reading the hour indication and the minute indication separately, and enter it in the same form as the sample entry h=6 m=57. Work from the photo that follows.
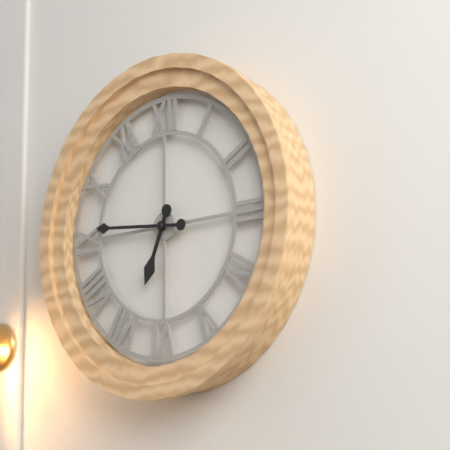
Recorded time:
h=6 m=46
